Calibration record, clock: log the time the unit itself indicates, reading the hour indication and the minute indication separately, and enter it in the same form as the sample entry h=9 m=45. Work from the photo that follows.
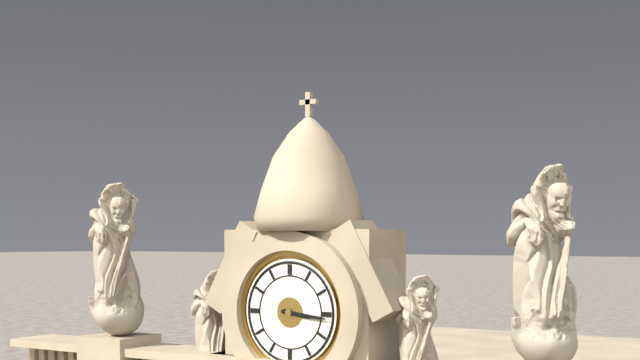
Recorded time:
h=3 m=16
